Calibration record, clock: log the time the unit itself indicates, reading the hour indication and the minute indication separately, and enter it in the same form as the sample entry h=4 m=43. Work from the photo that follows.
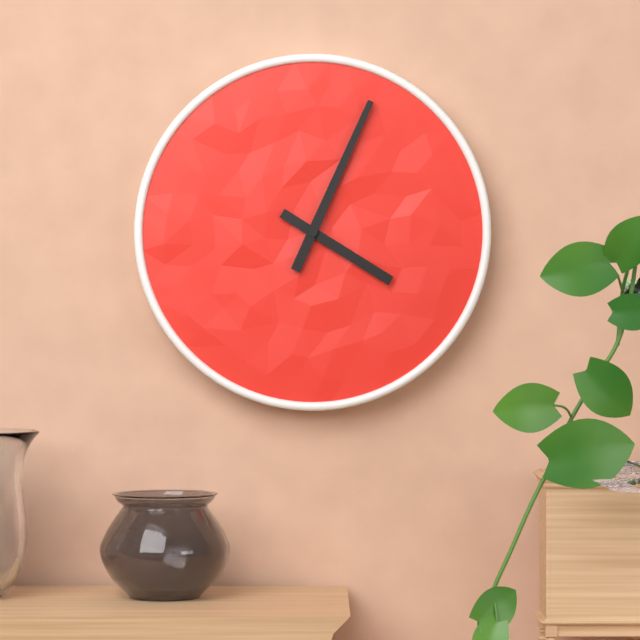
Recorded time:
h=4 m=4
